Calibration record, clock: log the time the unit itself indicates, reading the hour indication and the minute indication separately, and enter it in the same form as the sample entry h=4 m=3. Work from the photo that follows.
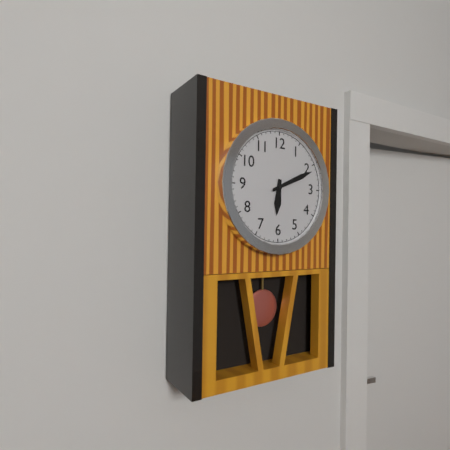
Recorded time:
h=6 m=11
